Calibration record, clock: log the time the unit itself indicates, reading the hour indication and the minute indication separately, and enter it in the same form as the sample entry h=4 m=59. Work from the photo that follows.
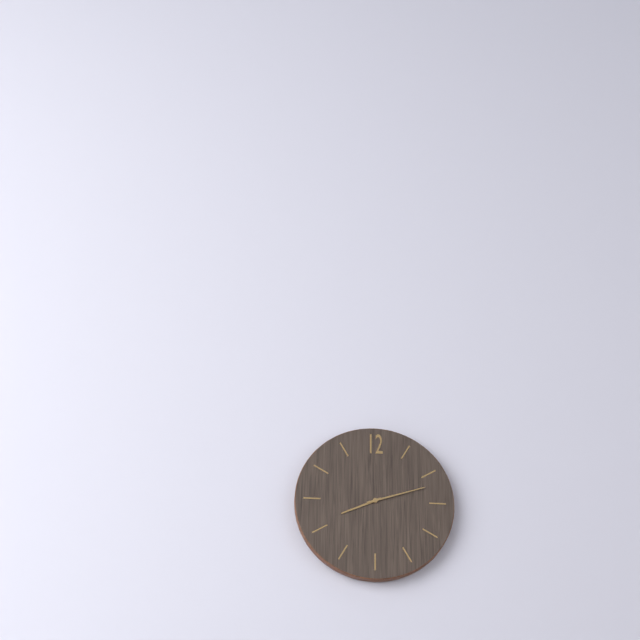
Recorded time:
h=8 m=12
